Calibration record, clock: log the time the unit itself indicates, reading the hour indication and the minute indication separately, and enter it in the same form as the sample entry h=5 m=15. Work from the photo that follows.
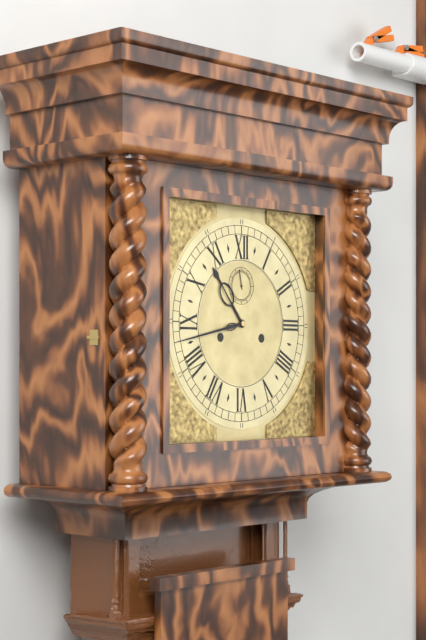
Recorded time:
h=10 m=43
